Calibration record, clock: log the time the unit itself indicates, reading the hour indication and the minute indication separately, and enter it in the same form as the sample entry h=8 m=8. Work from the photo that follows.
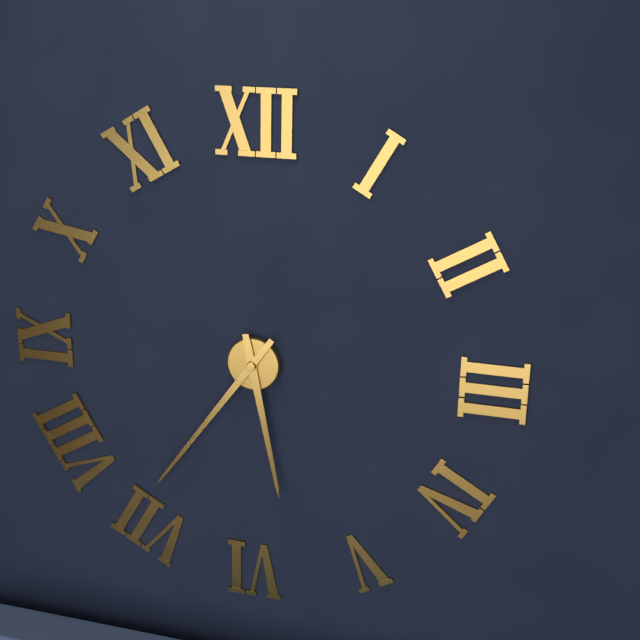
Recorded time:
h=5 m=36
